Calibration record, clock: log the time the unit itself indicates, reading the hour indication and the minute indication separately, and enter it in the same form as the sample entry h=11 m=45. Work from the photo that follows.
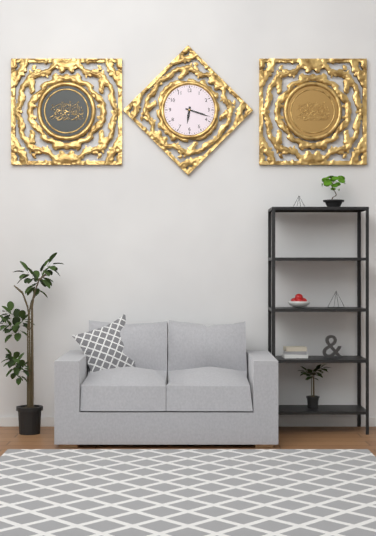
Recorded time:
h=6 m=18
